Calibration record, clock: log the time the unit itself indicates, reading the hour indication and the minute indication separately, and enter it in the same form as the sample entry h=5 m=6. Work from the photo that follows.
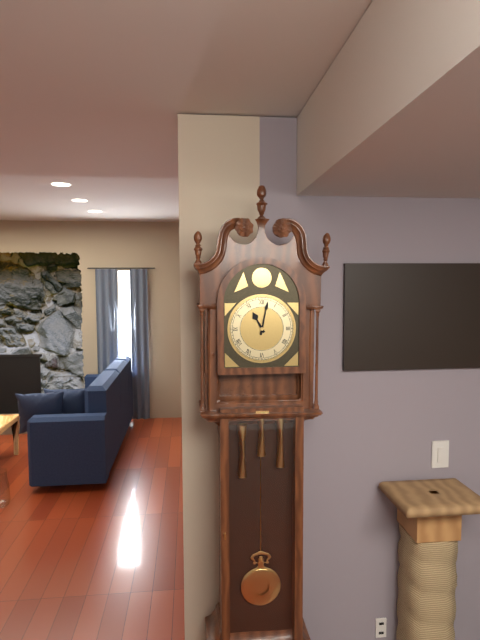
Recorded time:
h=11 m=2
